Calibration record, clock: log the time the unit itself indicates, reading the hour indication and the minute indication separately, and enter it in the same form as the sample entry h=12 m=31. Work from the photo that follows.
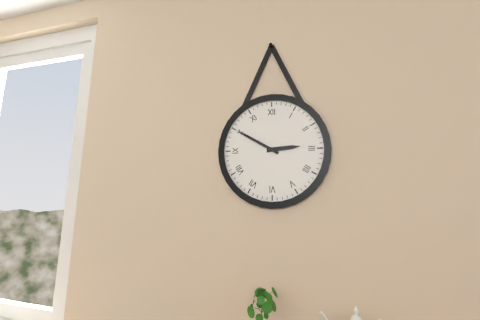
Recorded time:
h=2 m=50
